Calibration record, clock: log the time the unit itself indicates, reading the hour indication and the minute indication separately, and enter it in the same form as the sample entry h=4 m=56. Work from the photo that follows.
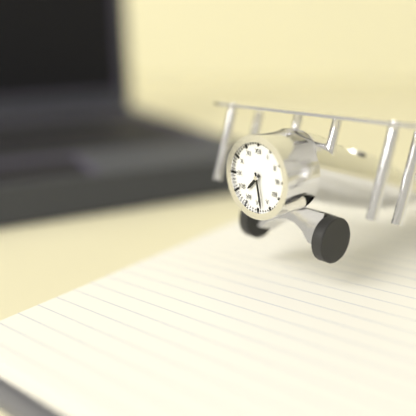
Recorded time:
h=7 m=28
